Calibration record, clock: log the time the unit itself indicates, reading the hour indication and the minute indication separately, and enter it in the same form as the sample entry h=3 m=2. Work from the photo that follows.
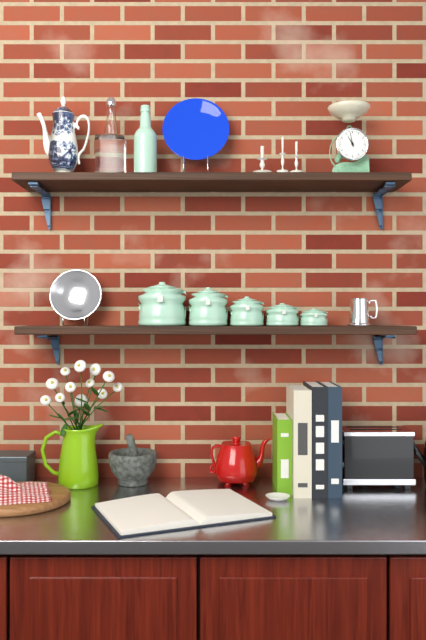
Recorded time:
h=10 m=58
